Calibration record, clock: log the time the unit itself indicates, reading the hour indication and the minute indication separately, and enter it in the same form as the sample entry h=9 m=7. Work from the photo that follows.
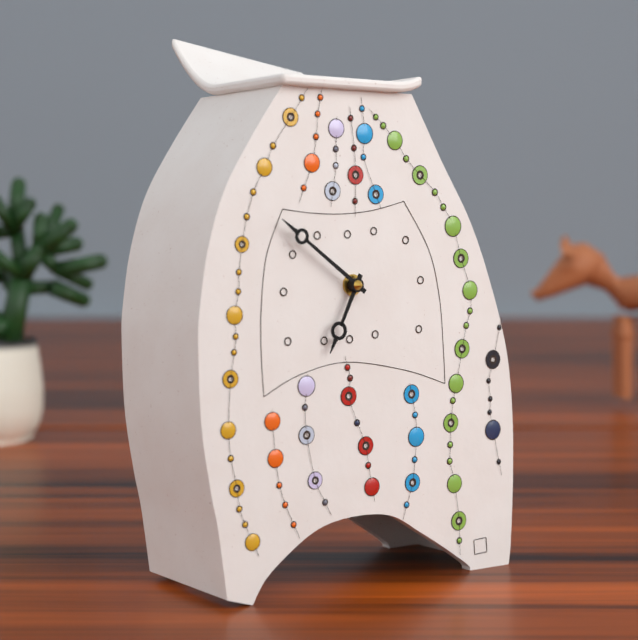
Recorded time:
h=6 m=51
